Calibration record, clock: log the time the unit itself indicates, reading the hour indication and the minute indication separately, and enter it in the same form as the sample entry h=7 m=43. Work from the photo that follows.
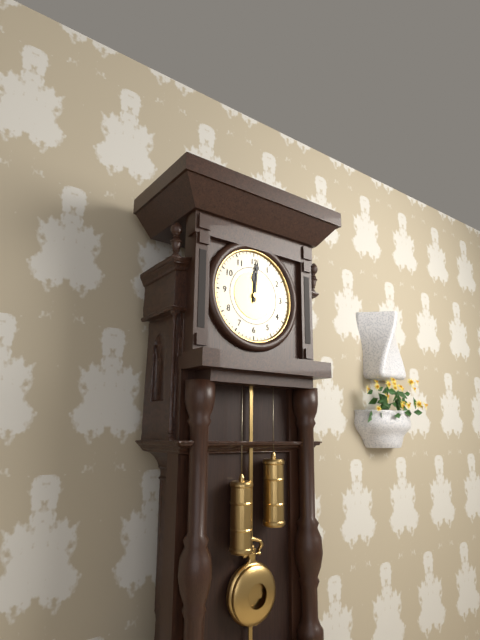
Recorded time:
h=12 m=1
